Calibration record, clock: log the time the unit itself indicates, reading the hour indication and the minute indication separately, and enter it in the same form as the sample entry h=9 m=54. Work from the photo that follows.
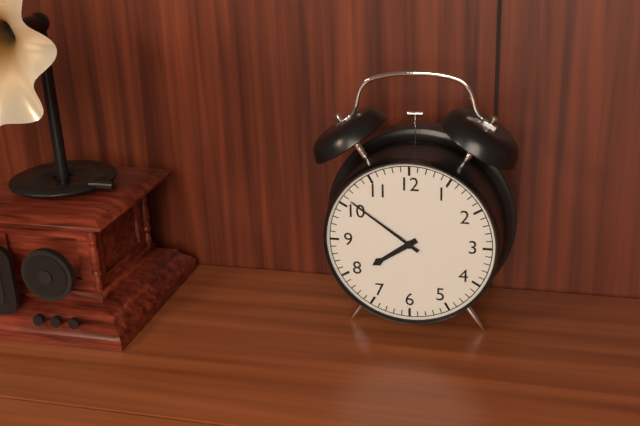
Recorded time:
h=7 m=51
